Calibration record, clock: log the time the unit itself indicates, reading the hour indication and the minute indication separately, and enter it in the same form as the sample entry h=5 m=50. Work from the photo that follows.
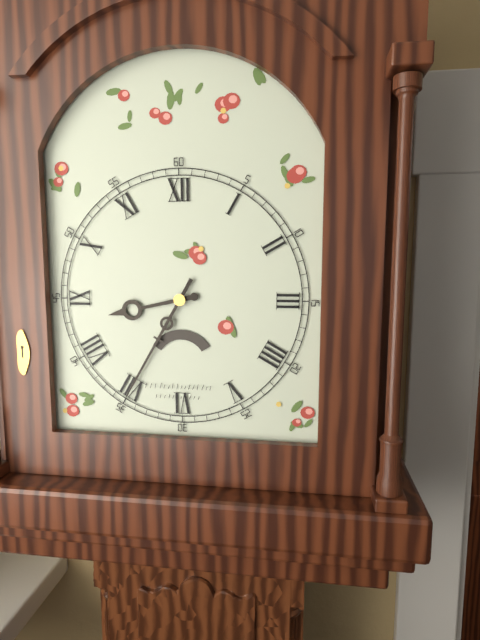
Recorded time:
h=8 m=35
